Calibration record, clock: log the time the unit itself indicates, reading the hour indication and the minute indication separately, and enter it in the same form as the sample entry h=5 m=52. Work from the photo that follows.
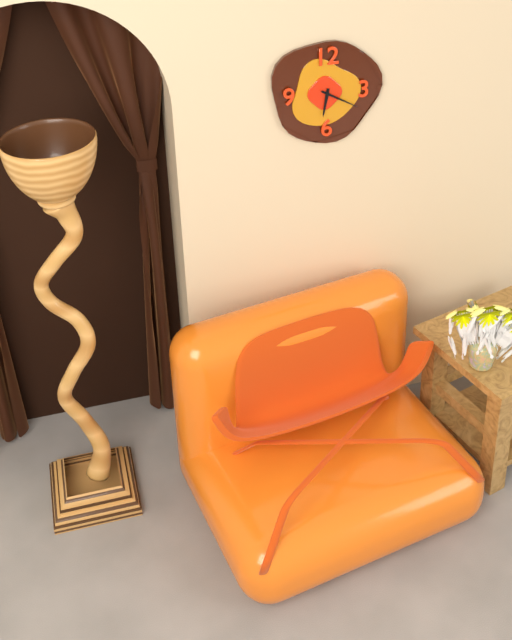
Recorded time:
h=6 m=20
